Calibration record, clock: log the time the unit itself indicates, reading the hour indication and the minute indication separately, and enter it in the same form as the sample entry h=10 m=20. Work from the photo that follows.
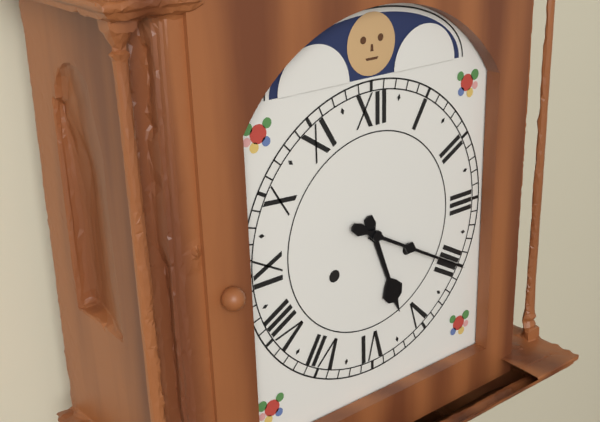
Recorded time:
h=5 m=20
